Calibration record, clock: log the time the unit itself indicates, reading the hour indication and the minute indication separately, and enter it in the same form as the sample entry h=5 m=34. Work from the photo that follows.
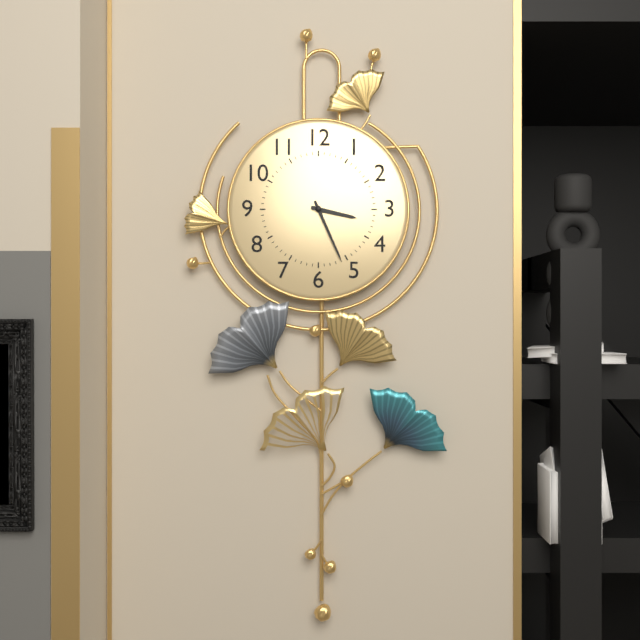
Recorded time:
h=3 m=26
